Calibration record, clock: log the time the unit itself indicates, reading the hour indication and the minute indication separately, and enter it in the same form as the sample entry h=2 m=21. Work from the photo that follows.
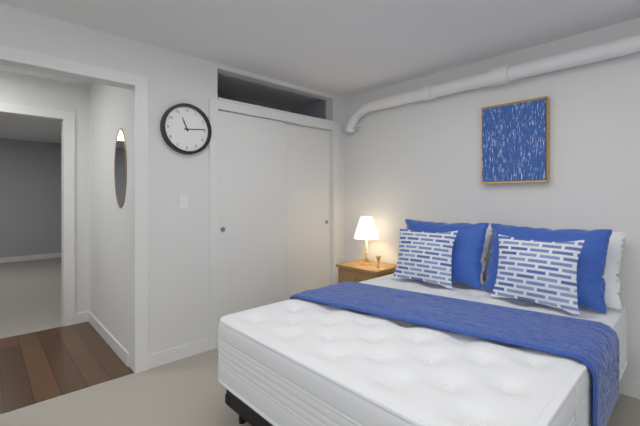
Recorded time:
h=11 m=14
